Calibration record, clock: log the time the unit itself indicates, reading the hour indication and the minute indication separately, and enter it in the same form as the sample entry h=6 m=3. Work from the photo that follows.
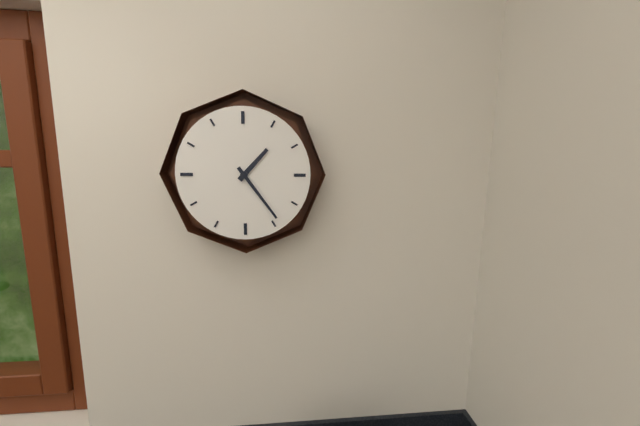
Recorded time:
h=1 m=24
